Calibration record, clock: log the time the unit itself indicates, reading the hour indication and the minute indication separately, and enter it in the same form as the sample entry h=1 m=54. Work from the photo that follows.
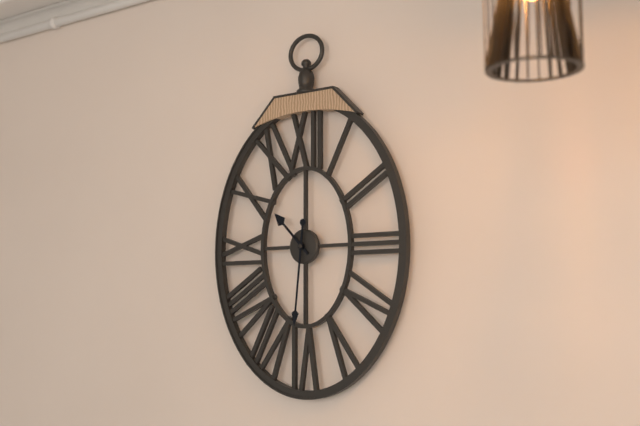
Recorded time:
h=10 m=31
